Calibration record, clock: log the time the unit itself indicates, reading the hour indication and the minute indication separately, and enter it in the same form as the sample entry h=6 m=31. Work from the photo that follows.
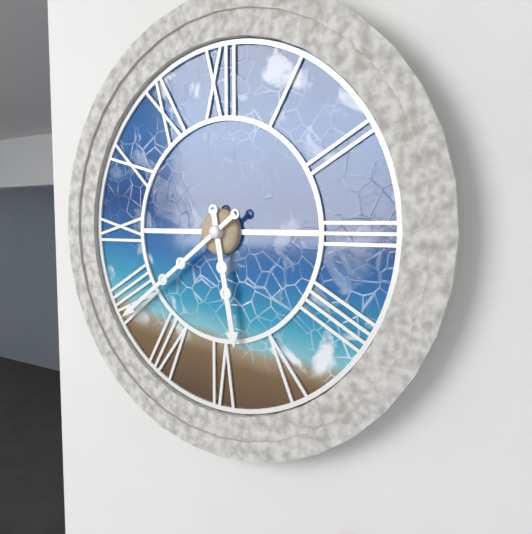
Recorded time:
h=5 m=39
